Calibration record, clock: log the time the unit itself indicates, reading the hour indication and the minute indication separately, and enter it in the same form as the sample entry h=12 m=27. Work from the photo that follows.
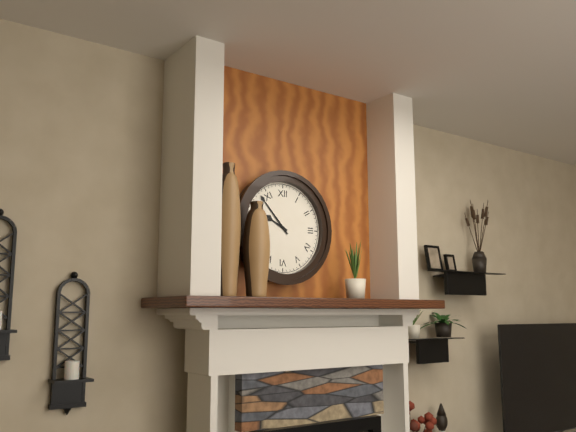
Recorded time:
h=9 m=53
